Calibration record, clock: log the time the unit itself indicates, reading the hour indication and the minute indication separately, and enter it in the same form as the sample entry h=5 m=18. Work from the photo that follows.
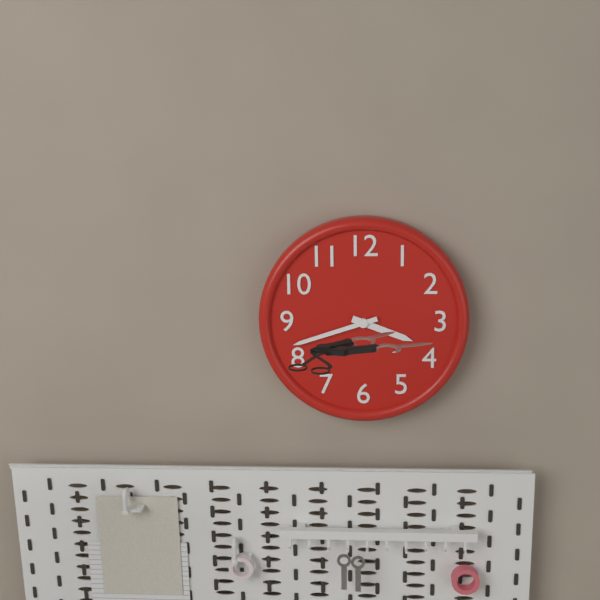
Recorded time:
h=3 m=42
